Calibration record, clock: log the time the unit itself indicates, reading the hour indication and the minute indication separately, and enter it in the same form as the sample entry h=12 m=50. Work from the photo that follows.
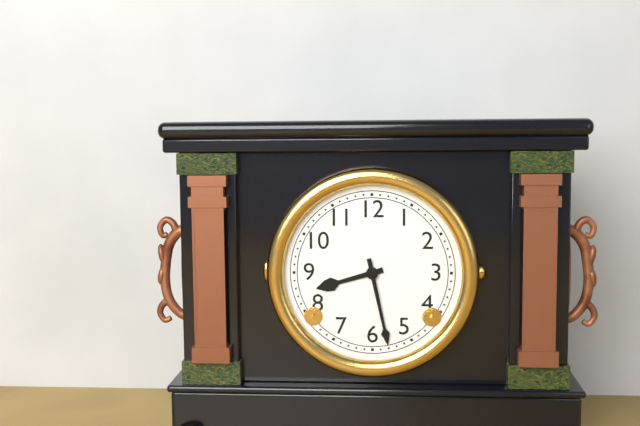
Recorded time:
h=8 m=28
